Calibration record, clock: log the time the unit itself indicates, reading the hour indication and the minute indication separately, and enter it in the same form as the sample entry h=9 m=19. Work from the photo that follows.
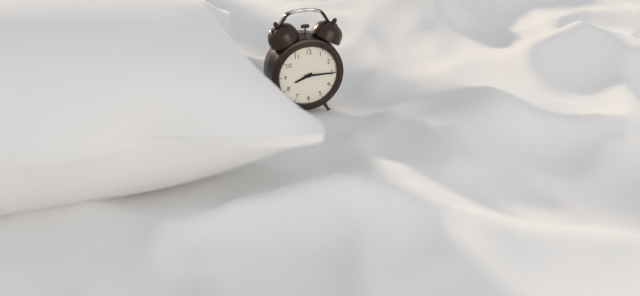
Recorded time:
h=8 m=15
